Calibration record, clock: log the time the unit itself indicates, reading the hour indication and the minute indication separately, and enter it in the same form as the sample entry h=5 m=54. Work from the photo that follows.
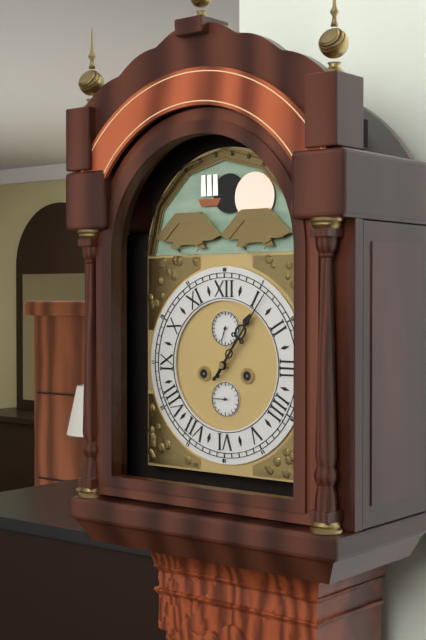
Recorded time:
h=1 m=6
